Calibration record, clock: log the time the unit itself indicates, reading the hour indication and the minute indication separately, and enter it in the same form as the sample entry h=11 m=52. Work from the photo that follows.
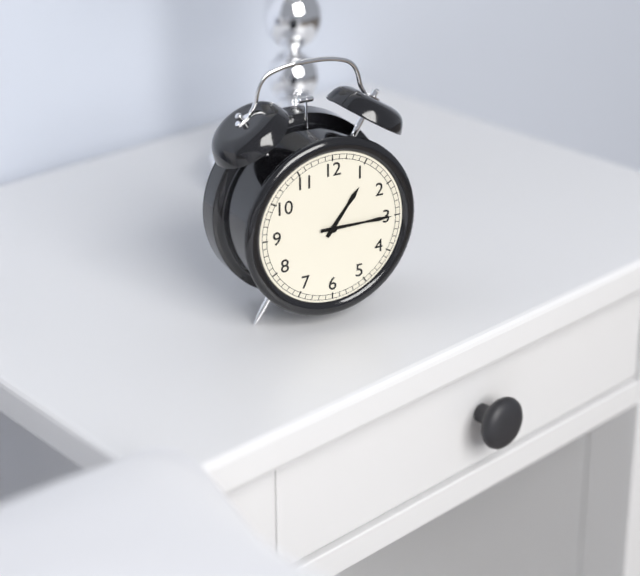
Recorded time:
h=1 m=15
